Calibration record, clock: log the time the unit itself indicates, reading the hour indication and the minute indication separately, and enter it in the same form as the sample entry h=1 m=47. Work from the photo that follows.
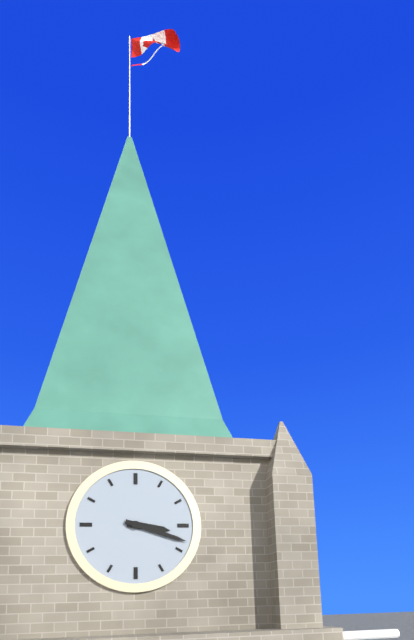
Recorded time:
h=3 m=18
